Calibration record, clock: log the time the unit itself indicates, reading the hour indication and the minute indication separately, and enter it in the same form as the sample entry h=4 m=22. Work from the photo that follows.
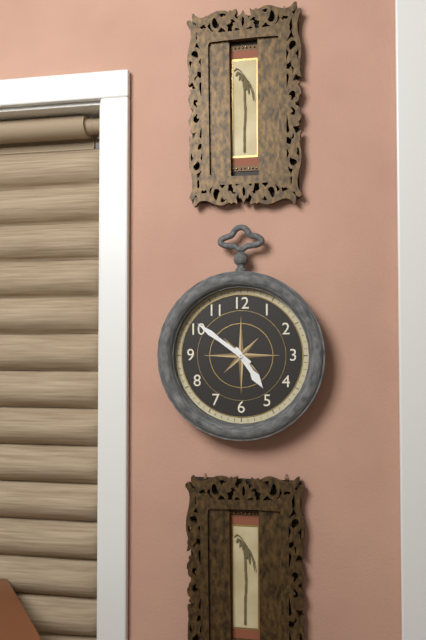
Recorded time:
h=4 m=51
